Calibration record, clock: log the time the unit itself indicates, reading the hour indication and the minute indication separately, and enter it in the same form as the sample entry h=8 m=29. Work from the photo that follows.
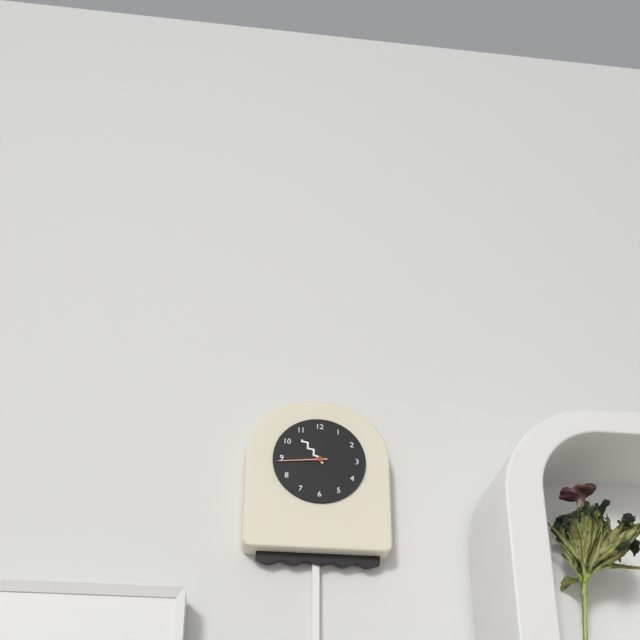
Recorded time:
h=10 m=44
